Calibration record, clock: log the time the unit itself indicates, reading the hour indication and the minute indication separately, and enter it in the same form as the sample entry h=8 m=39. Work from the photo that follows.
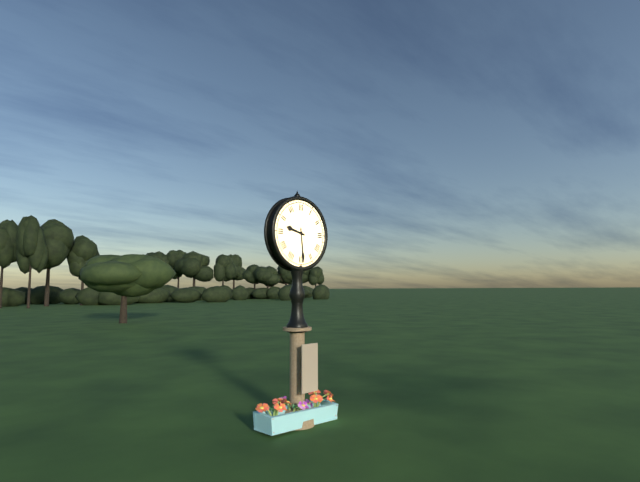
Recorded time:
h=9 m=29
